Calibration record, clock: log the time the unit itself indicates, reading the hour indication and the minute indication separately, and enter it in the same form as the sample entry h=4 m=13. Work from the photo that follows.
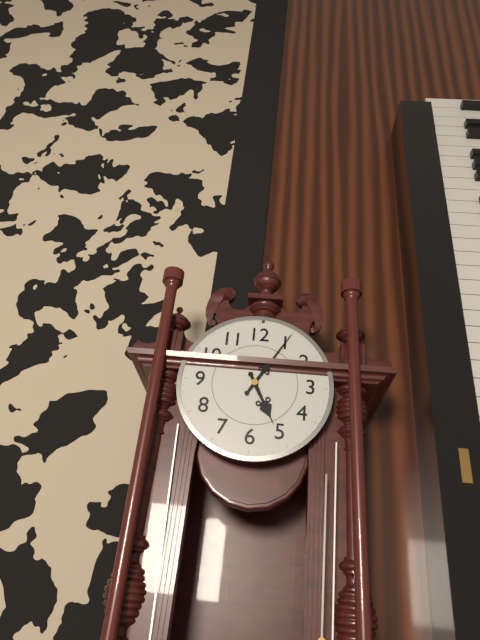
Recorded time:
h=5 m=5
